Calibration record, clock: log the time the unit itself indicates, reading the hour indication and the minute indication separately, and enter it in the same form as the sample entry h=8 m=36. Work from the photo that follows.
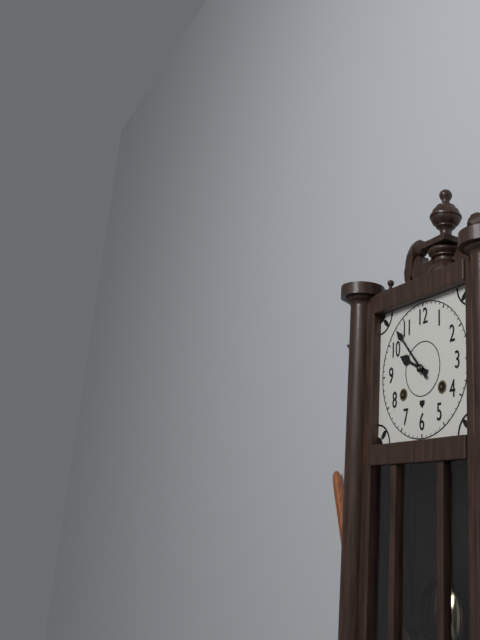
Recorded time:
h=9 m=53
